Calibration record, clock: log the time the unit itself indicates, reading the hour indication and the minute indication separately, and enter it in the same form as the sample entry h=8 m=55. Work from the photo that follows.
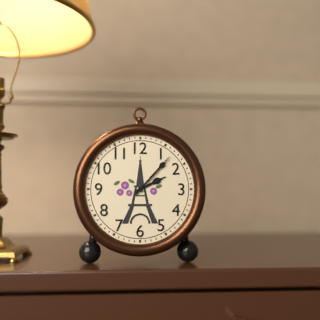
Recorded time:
h=2 m=7
